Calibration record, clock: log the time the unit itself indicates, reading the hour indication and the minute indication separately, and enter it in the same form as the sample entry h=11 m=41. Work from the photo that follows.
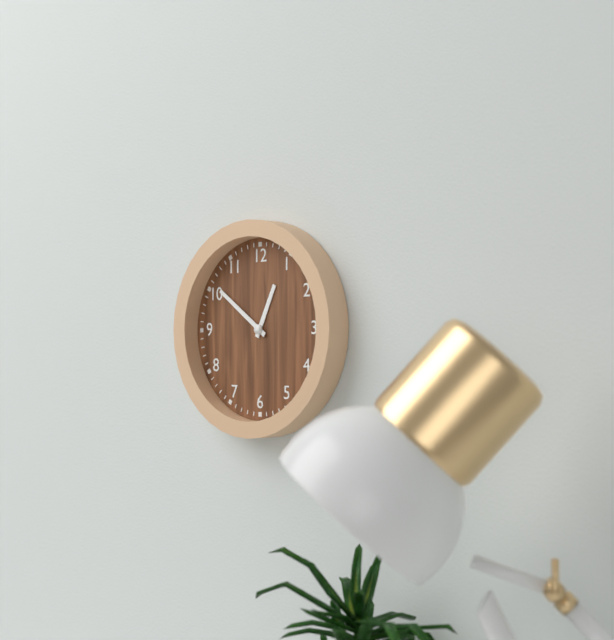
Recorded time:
h=12 m=51
